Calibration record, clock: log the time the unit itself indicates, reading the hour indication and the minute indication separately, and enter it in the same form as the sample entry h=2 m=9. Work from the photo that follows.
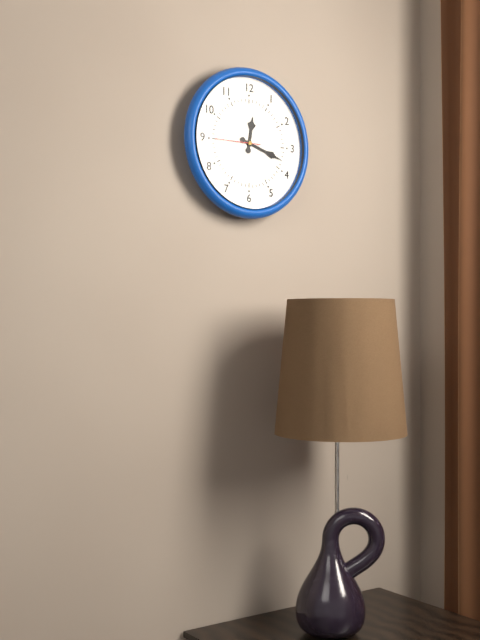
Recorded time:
h=12 m=18
